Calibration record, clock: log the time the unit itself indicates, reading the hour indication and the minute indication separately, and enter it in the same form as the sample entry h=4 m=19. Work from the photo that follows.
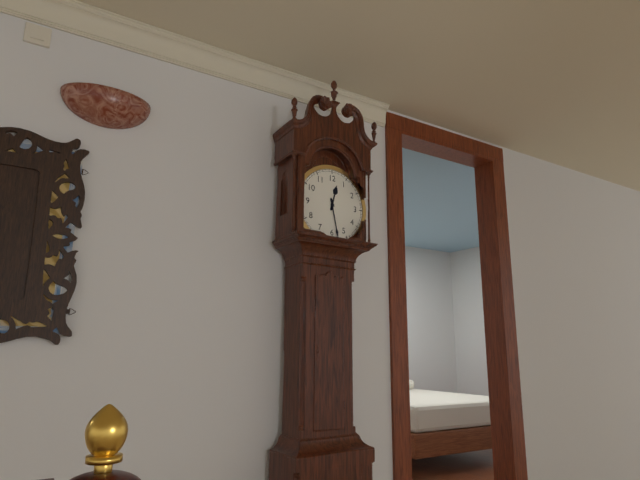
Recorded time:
h=12 m=28
